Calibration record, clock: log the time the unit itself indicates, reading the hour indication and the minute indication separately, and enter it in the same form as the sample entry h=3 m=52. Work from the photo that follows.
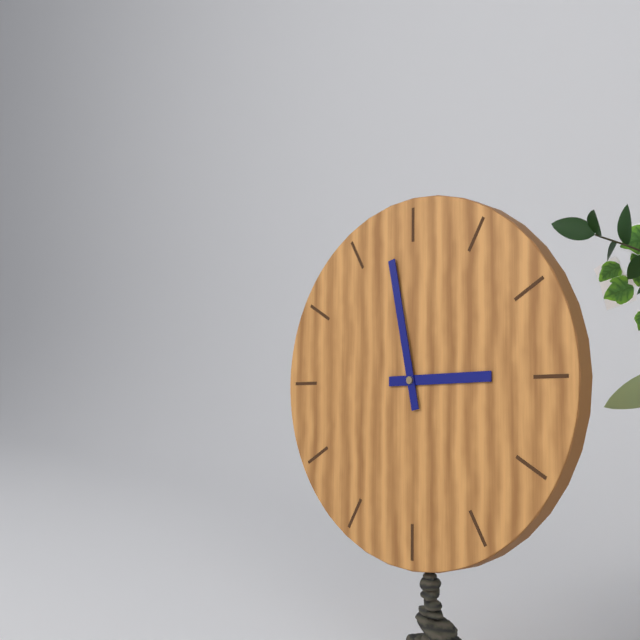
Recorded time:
h=2 m=58
